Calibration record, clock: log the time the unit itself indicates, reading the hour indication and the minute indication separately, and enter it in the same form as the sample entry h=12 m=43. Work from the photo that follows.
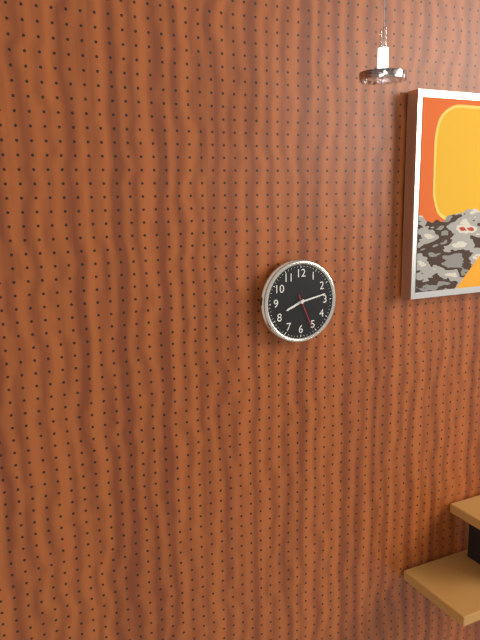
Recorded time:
h=8 m=13
